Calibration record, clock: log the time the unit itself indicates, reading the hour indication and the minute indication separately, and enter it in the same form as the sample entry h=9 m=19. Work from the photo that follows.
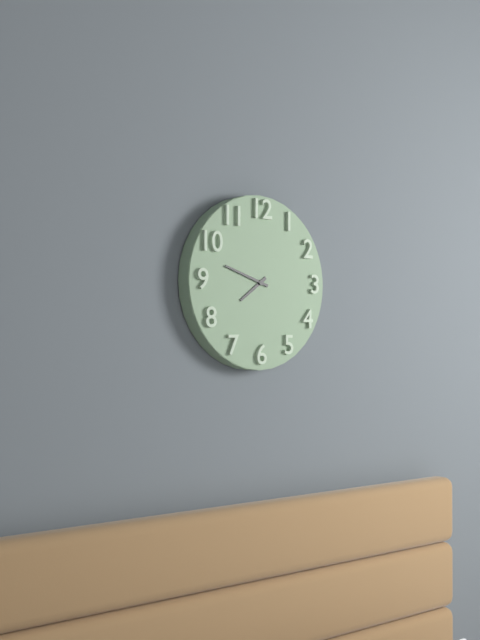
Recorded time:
h=7 m=48
